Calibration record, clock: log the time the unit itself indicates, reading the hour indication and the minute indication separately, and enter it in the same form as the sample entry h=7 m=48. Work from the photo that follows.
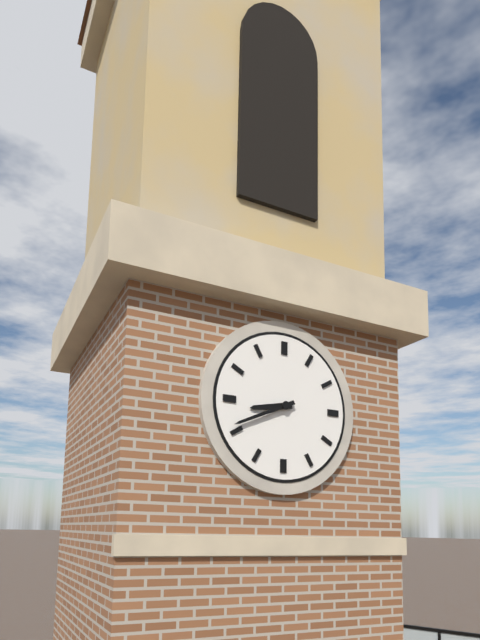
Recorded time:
h=8 m=41
